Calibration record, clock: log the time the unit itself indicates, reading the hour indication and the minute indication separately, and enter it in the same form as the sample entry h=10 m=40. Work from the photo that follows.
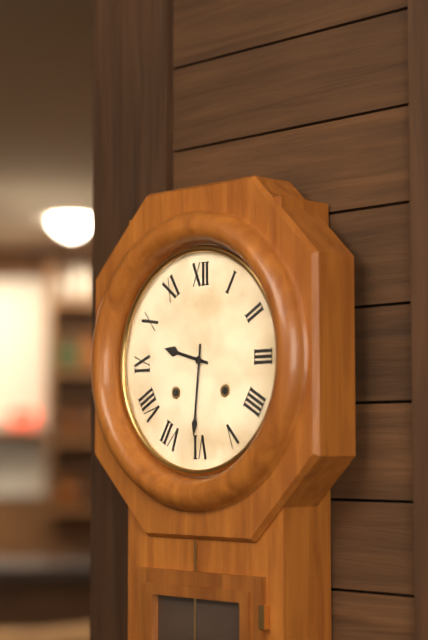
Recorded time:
h=9 m=31
